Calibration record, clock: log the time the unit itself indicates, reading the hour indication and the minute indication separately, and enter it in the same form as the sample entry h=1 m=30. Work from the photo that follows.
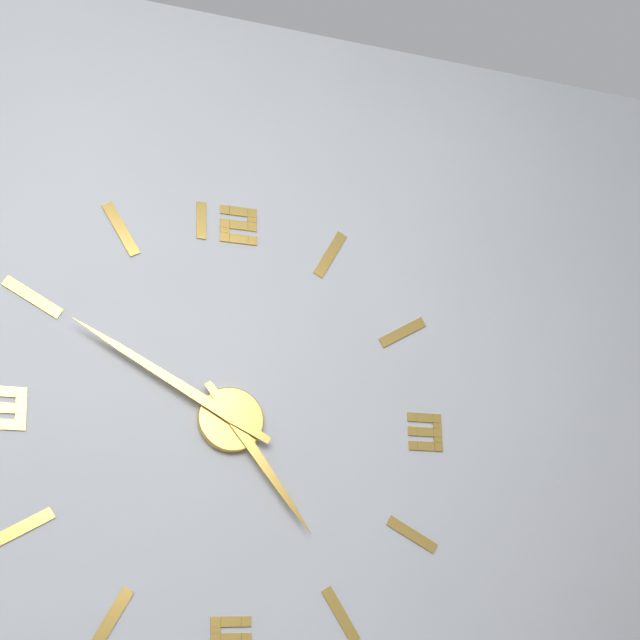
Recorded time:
h=4 m=50
